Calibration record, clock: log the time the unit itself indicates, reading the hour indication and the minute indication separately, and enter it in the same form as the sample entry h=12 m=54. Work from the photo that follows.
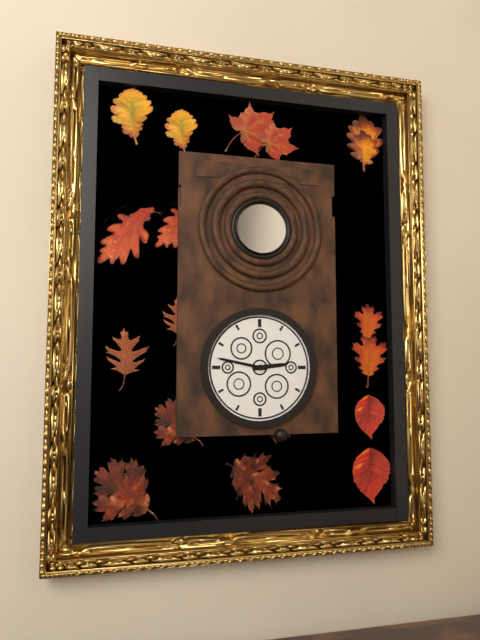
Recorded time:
h=2 m=47
